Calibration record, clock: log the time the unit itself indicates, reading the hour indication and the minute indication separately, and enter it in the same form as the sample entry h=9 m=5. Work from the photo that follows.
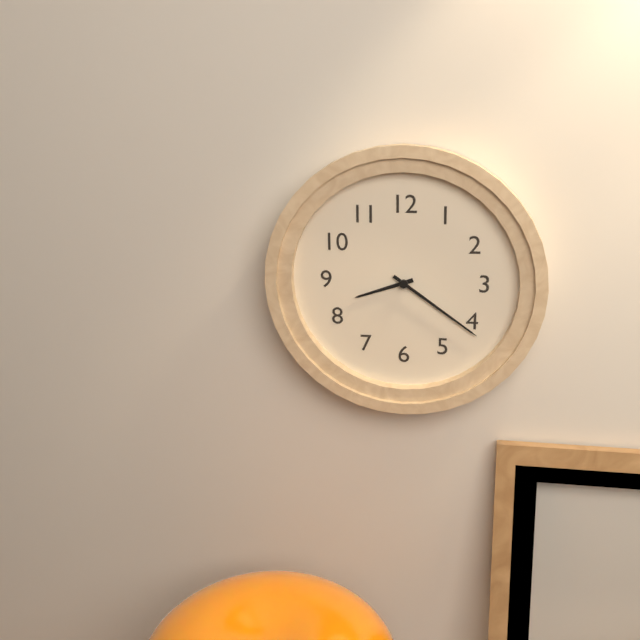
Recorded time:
h=8 m=21
